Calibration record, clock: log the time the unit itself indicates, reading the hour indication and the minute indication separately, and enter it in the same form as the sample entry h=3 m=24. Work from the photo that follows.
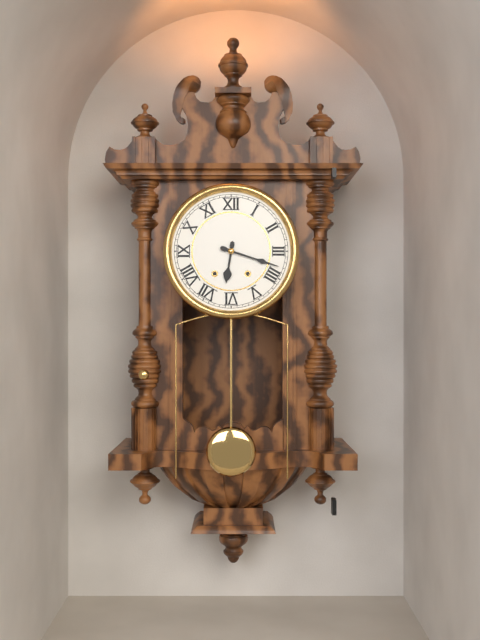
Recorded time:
h=6 m=18
